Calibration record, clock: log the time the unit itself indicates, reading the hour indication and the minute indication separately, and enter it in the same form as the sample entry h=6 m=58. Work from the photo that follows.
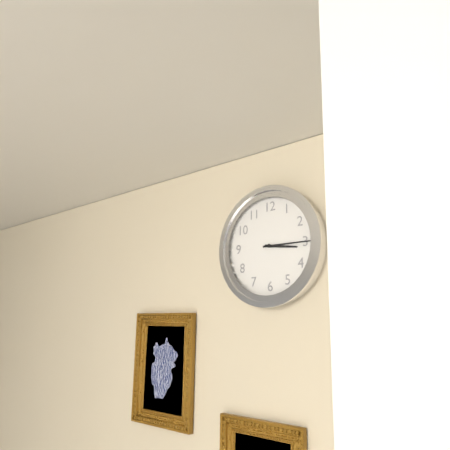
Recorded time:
h=3 m=15
